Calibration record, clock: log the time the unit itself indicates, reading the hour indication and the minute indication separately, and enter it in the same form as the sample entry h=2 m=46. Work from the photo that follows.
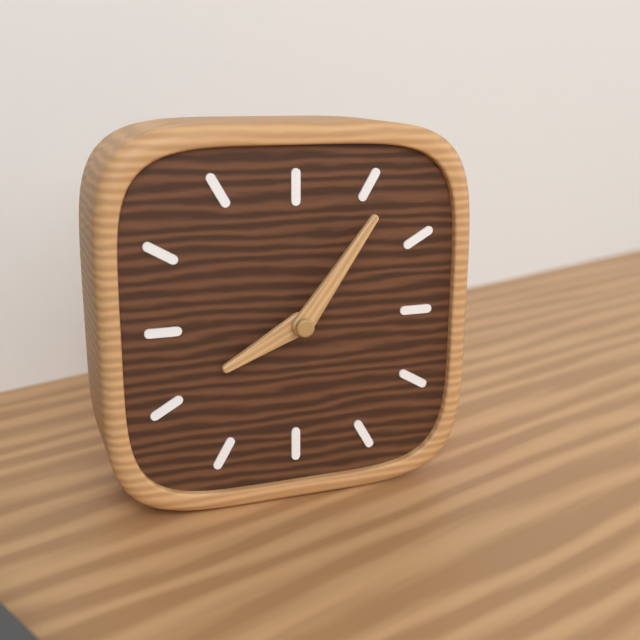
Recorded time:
h=8 m=6
